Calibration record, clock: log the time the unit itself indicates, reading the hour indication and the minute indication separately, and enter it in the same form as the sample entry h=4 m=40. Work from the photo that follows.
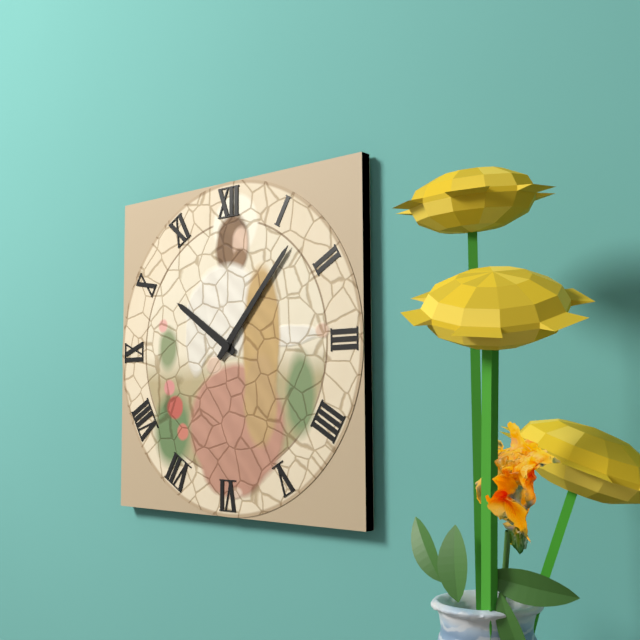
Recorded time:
h=10 m=7
